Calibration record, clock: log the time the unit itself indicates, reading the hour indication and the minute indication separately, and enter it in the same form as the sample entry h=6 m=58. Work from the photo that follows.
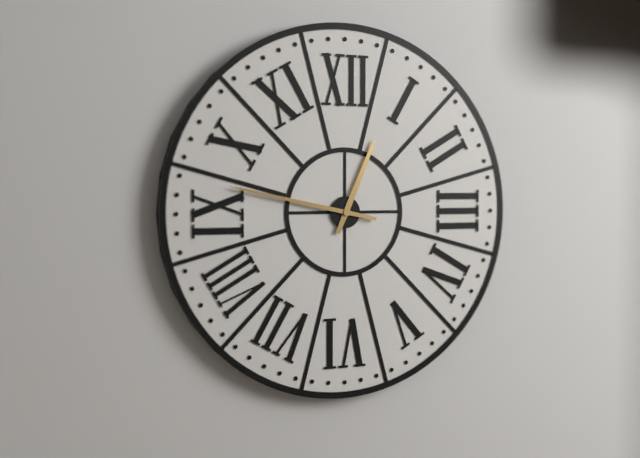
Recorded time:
h=12 m=47
